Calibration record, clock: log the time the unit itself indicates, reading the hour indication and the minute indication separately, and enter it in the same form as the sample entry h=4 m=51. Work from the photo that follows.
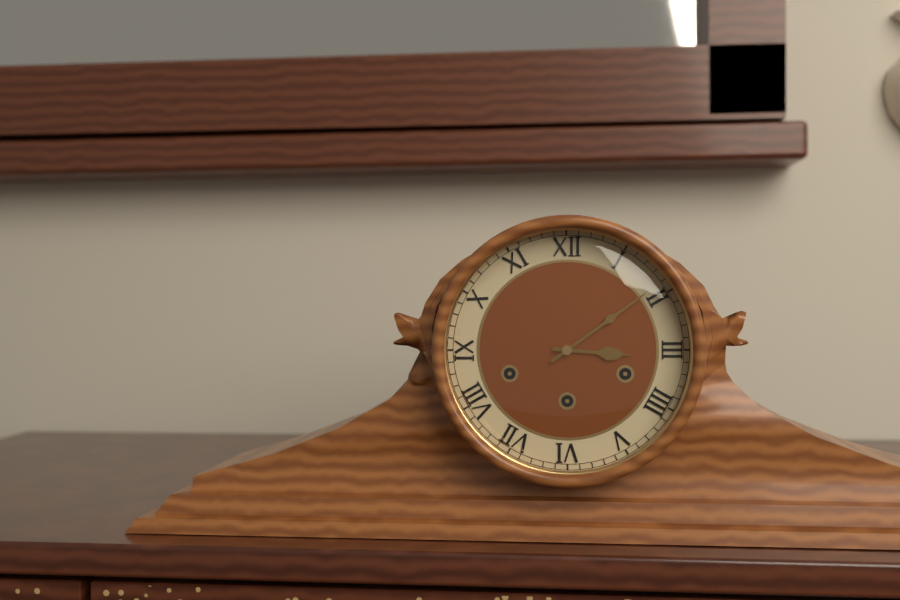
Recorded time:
h=3 m=9
